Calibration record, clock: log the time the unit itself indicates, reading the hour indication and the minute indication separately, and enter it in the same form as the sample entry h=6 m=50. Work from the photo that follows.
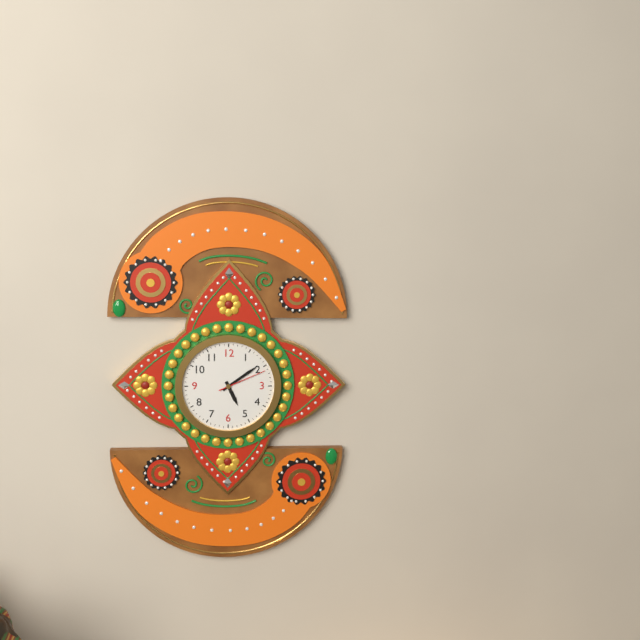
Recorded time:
h=5 m=9
